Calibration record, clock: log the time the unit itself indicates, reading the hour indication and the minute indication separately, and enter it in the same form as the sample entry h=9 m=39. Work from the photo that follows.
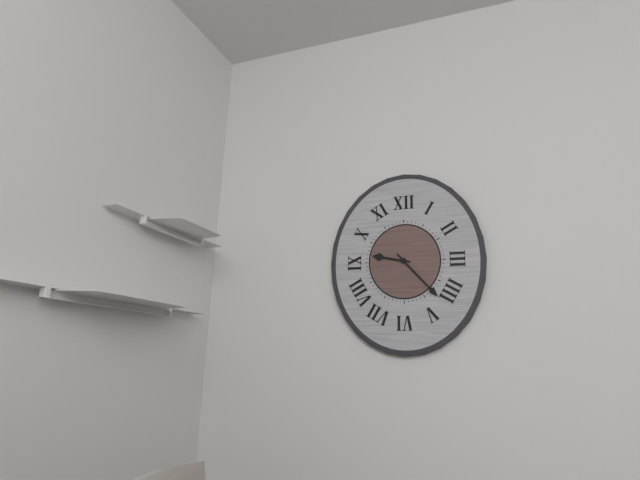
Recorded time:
h=9 m=23
